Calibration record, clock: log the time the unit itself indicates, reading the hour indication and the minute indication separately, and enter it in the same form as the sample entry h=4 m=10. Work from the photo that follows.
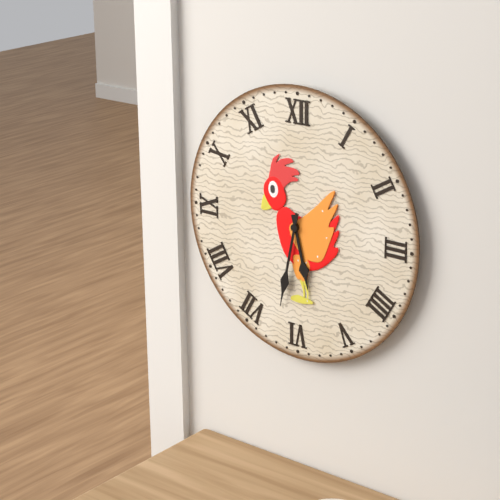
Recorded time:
h=5 m=32
